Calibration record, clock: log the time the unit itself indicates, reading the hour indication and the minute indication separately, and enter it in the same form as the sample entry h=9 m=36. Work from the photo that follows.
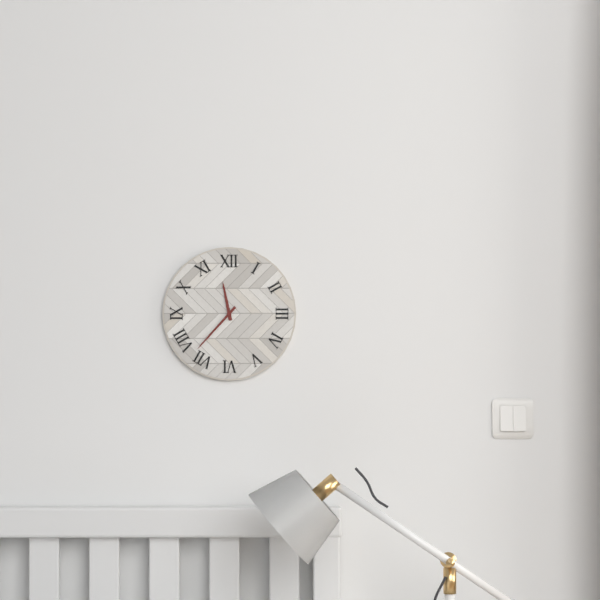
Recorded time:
h=11 m=37
